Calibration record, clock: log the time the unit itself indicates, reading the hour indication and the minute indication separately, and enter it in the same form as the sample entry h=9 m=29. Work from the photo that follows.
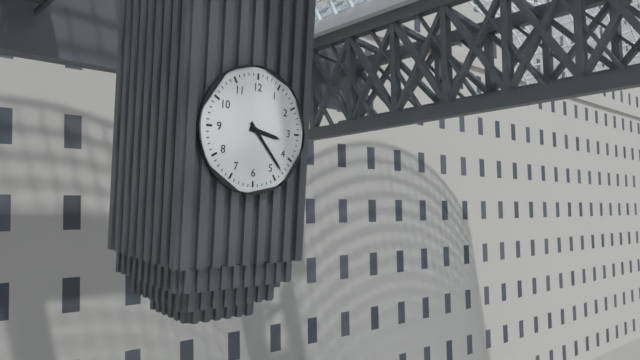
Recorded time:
h=3 m=23
